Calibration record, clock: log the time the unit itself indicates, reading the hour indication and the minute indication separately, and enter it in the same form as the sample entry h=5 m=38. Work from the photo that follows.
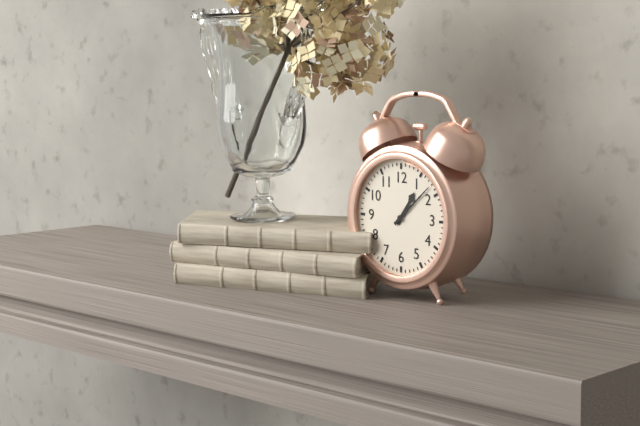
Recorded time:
h=1 m=8
